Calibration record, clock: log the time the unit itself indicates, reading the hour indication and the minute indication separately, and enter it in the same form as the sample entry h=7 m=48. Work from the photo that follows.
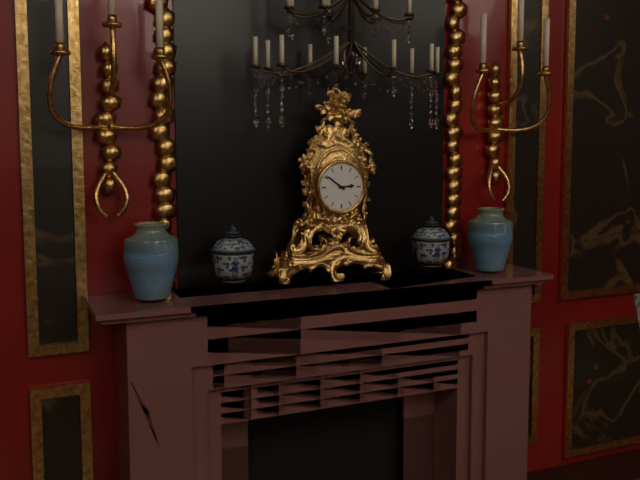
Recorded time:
h=2 m=51
